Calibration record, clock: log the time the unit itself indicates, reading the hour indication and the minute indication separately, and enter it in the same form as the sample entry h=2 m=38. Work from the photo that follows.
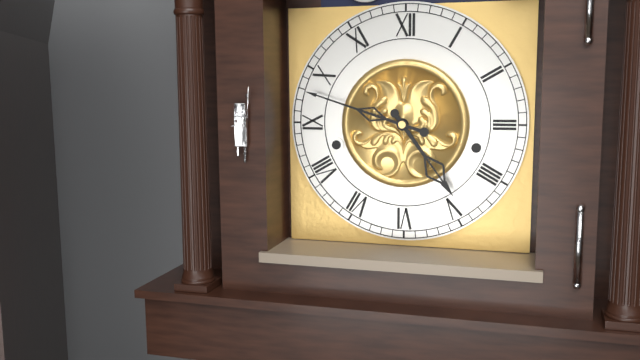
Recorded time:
h=4 m=48
